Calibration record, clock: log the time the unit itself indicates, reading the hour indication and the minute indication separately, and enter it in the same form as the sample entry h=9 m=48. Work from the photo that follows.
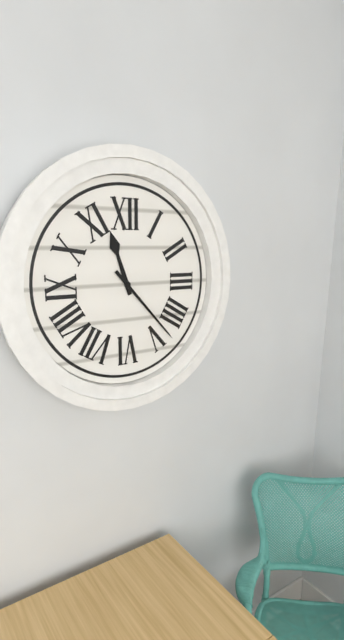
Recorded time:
h=11 m=23
